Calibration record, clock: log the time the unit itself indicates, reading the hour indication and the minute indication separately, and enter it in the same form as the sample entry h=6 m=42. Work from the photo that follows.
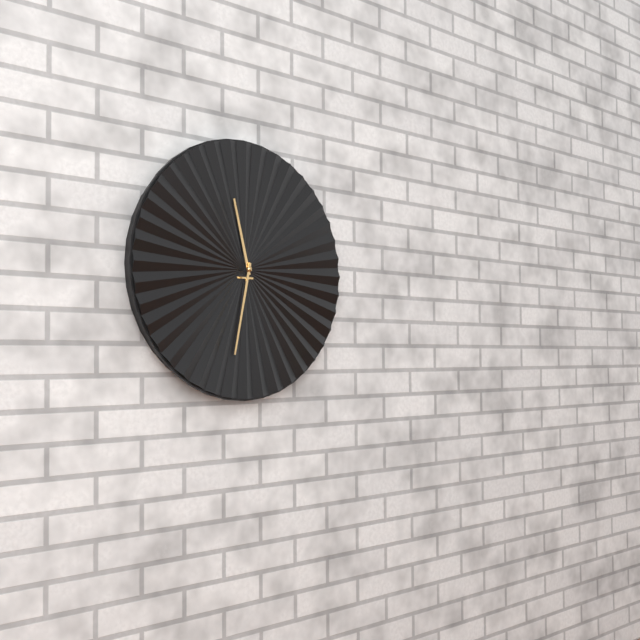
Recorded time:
h=11 m=32
